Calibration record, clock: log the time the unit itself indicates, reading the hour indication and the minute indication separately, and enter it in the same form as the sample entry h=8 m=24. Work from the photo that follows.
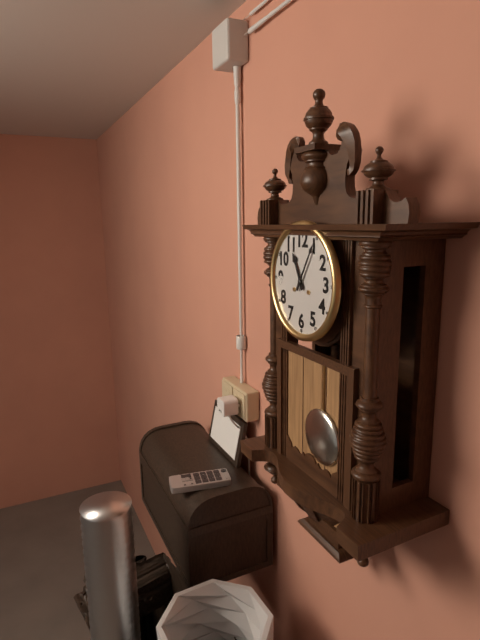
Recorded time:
h=11 m=5
